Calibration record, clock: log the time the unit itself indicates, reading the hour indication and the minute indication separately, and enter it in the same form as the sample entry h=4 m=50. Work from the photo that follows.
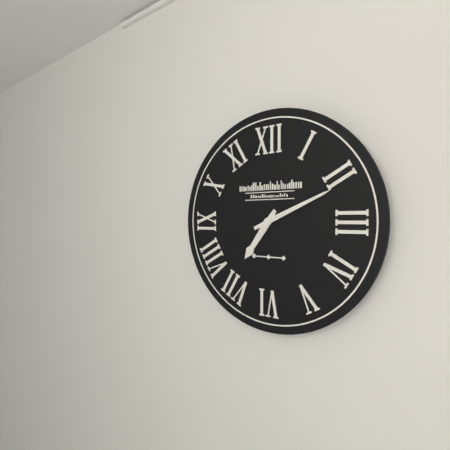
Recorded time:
h=7 m=11
